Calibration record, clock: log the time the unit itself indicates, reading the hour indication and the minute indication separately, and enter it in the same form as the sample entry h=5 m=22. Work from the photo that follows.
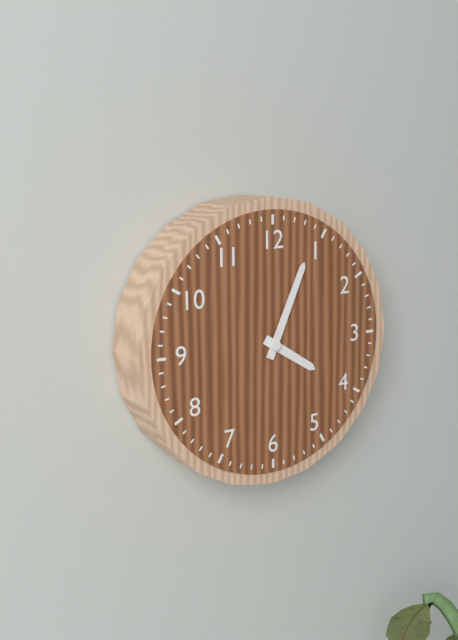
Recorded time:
h=4 m=4
